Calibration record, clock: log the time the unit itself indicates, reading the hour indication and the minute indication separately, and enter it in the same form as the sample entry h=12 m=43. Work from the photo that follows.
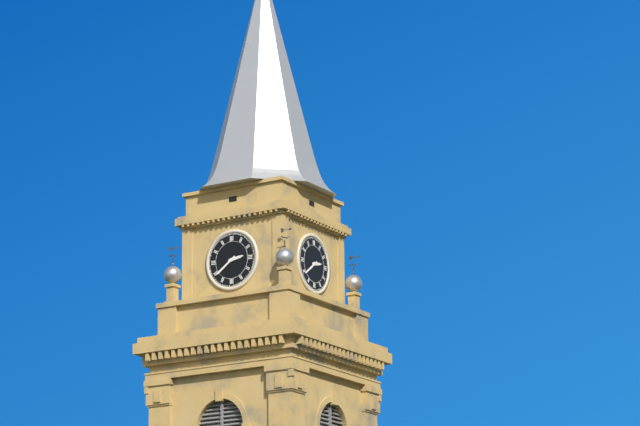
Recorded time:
h=2 m=39
